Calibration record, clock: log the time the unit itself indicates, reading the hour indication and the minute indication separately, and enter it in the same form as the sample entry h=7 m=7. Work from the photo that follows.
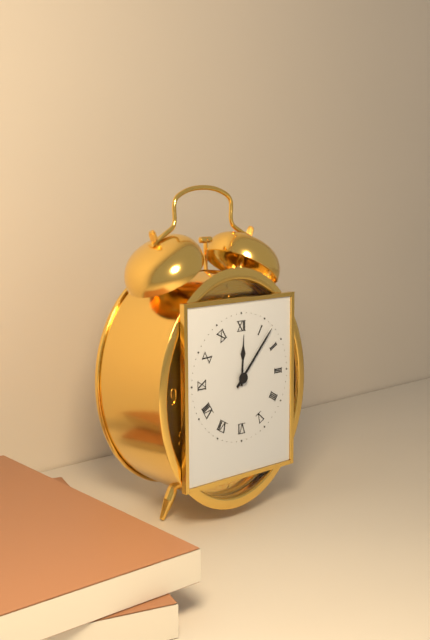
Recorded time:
h=12 m=7
